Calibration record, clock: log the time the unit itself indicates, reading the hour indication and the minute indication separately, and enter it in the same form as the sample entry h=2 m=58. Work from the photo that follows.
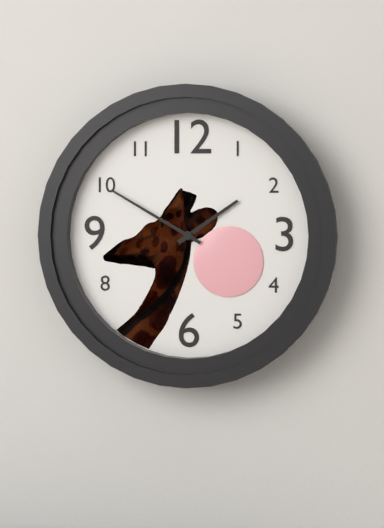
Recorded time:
h=1 m=50
